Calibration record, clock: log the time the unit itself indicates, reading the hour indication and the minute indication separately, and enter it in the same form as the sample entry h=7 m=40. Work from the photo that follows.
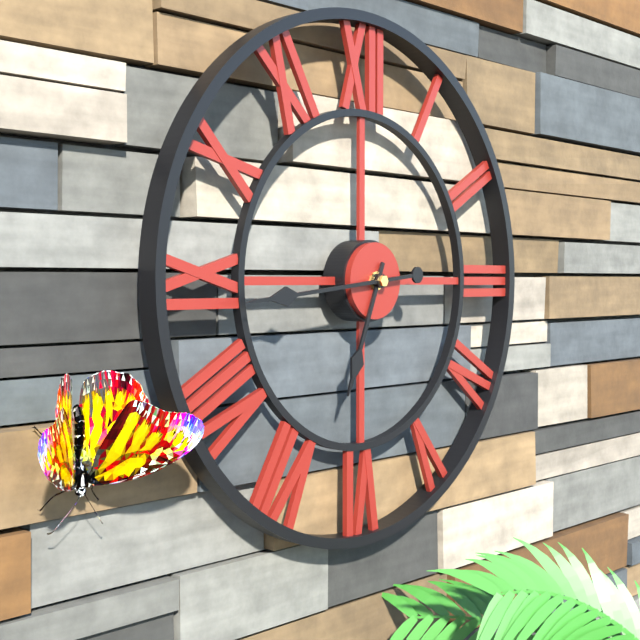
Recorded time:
h=6 m=44
